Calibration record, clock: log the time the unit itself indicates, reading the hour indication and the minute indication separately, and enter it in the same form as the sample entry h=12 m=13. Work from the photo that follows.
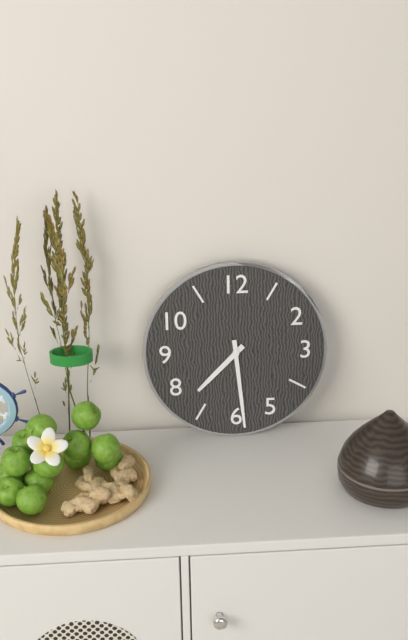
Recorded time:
h=7 m=29
